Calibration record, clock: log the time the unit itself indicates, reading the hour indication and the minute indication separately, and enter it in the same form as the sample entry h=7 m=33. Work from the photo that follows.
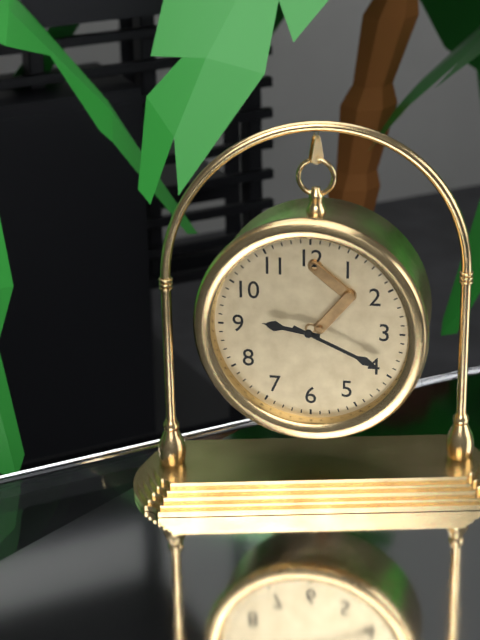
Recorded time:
h=9 m=19
